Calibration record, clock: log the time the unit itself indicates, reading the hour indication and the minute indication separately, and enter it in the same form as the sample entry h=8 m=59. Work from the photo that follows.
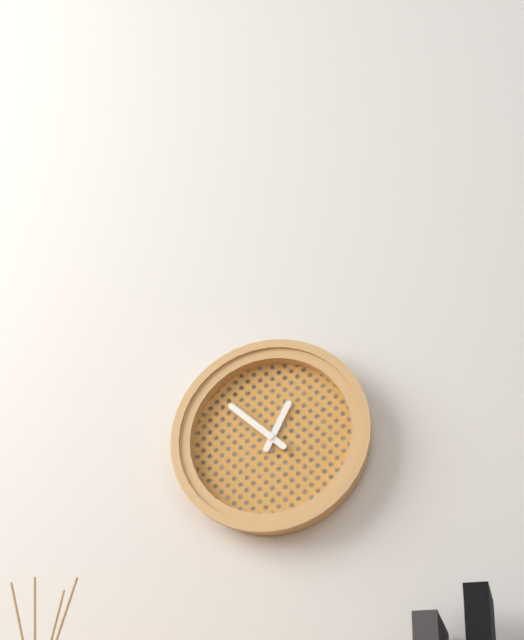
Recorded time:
h=12 m=52
